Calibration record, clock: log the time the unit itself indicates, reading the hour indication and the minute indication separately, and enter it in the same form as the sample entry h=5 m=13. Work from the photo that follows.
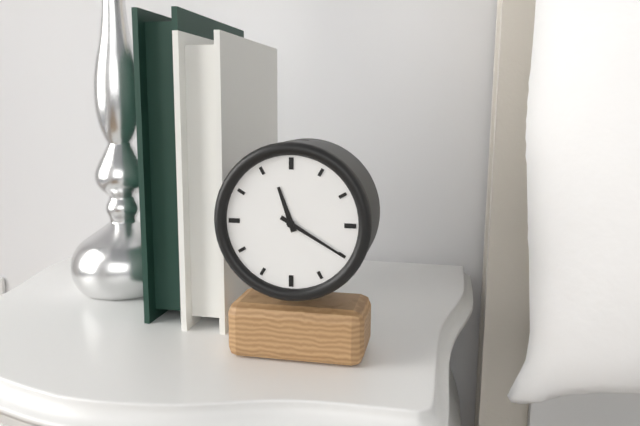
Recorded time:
h=11 m=20
